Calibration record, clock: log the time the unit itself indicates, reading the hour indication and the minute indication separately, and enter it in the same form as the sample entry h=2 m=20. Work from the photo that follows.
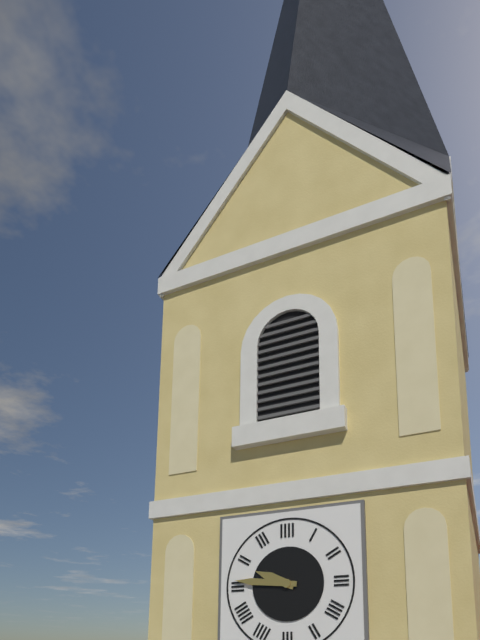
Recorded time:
h=9 m=46
